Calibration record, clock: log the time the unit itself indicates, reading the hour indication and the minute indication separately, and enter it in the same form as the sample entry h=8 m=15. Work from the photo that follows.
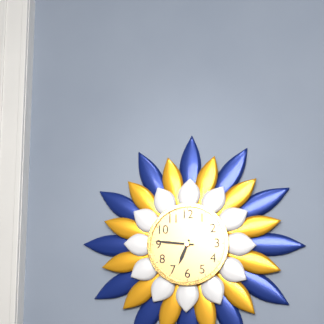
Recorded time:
h=6 m=46
